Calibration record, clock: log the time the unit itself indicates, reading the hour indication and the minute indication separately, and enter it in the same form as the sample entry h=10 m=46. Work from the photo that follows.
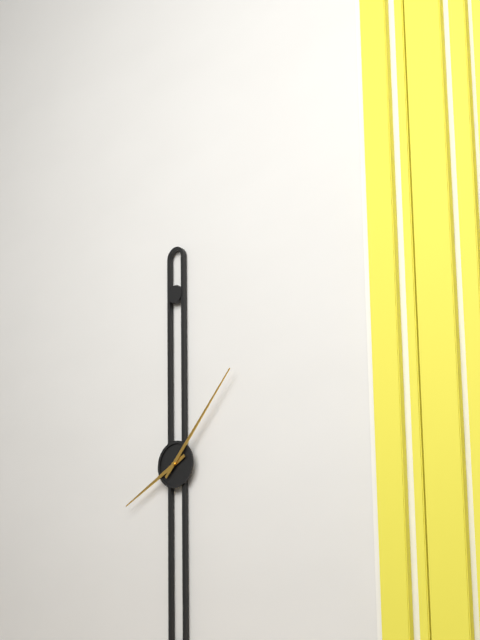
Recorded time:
h=8 m=7
